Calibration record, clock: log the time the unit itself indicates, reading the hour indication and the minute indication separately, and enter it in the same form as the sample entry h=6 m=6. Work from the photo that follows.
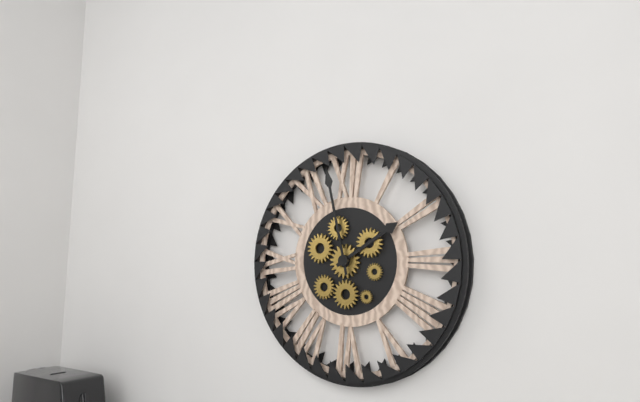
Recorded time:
h=1 m=58
